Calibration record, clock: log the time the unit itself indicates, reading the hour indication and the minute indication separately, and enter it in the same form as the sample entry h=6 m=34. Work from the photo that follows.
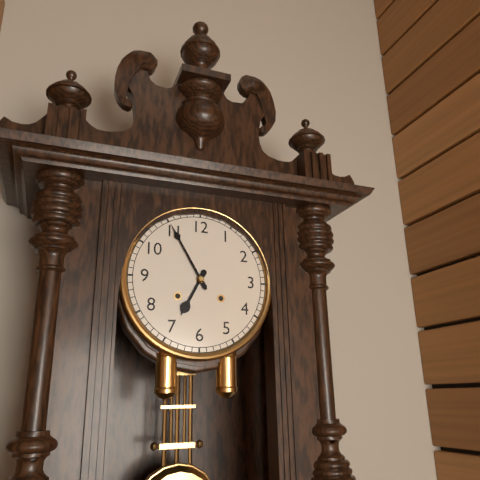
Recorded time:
h=6 m=55
